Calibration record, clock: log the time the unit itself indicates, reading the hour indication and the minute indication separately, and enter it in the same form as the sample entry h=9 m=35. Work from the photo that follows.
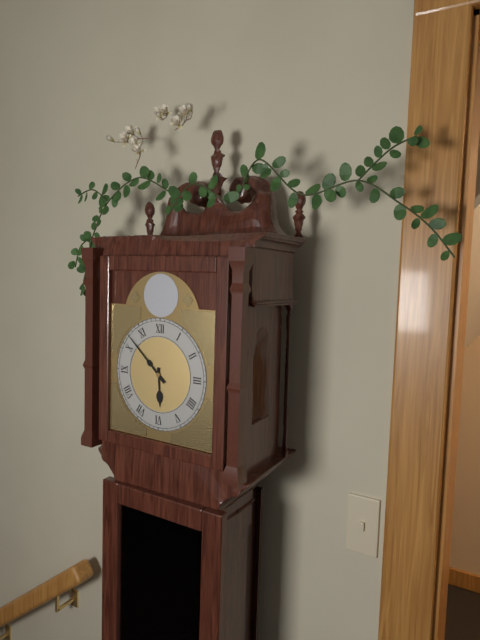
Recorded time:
h=5 m=52
